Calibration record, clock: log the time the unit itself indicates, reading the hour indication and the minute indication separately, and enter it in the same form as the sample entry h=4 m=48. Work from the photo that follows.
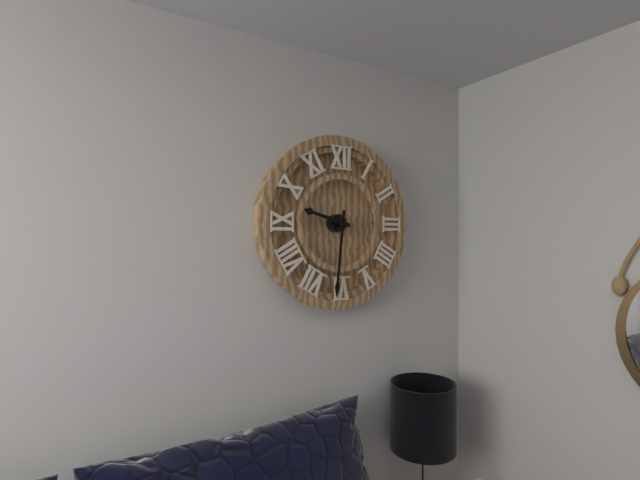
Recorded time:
h=9 m=31
